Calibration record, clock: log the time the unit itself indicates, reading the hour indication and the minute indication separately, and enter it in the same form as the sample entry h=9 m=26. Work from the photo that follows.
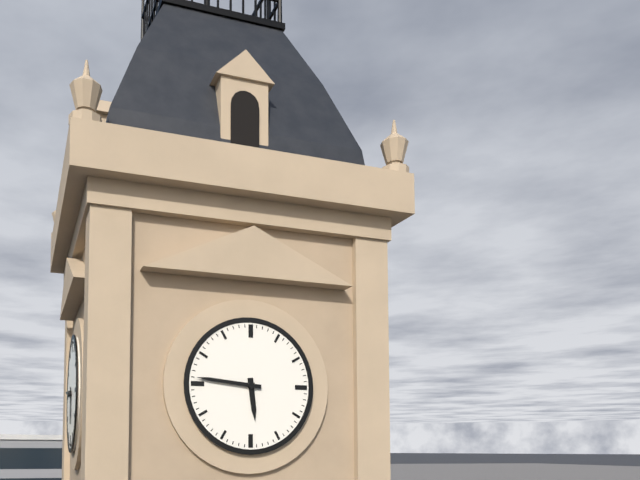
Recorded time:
h=5 m=46
